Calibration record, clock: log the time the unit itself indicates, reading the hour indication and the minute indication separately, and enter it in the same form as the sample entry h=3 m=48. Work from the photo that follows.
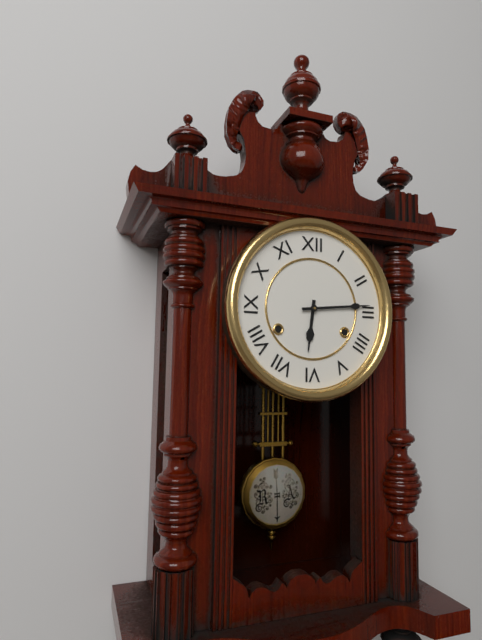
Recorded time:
h=6 m=14
